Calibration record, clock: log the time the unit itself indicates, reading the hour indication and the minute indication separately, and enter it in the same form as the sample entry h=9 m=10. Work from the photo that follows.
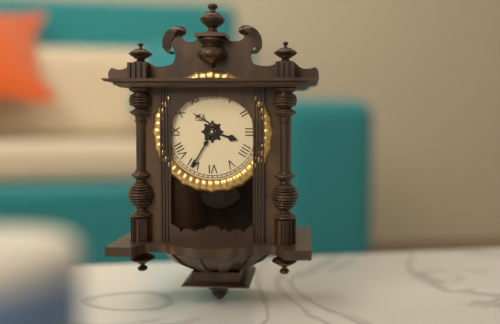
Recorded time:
h=3 m=35
